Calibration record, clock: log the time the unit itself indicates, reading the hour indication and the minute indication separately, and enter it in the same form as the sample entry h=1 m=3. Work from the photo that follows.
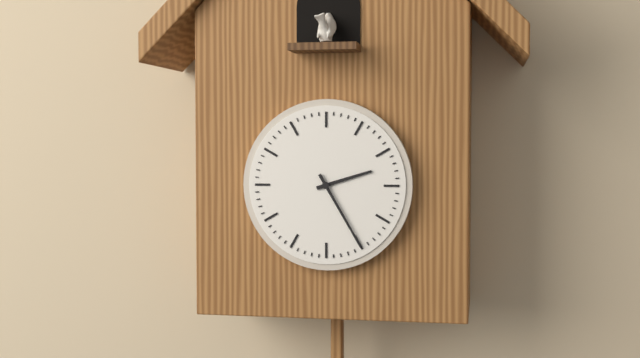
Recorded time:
h=2 m=25
